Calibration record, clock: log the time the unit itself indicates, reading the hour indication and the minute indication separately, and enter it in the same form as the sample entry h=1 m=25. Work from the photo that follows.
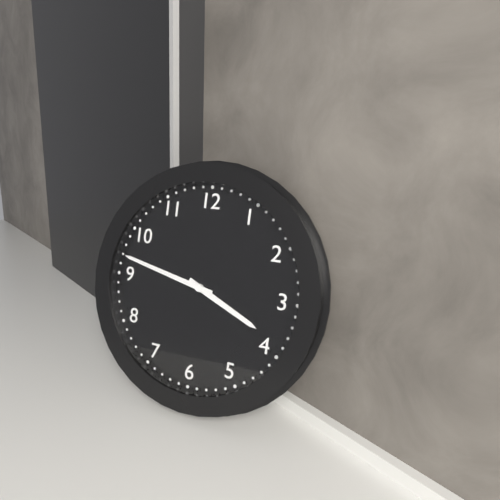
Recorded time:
h=3 m=47
